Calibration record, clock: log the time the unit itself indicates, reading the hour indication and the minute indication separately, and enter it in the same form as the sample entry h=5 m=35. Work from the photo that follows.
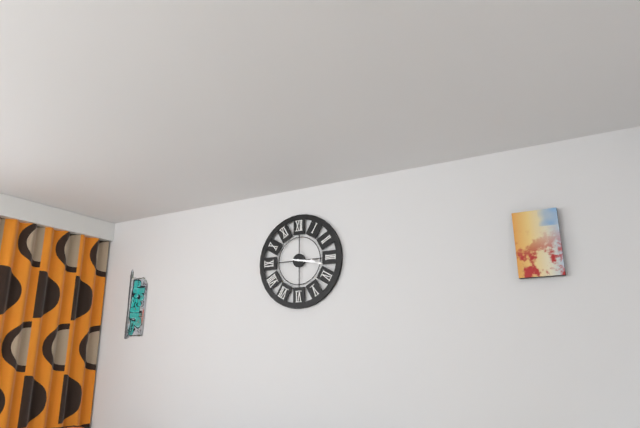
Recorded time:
h=3 m=17
